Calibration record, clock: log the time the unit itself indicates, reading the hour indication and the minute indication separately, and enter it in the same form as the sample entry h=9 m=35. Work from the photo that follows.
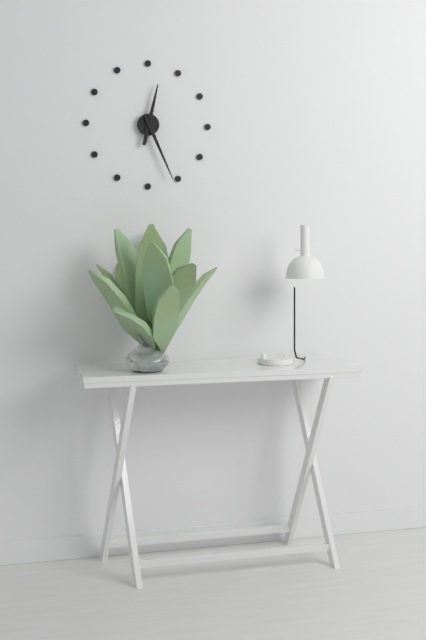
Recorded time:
h=12 m=26
